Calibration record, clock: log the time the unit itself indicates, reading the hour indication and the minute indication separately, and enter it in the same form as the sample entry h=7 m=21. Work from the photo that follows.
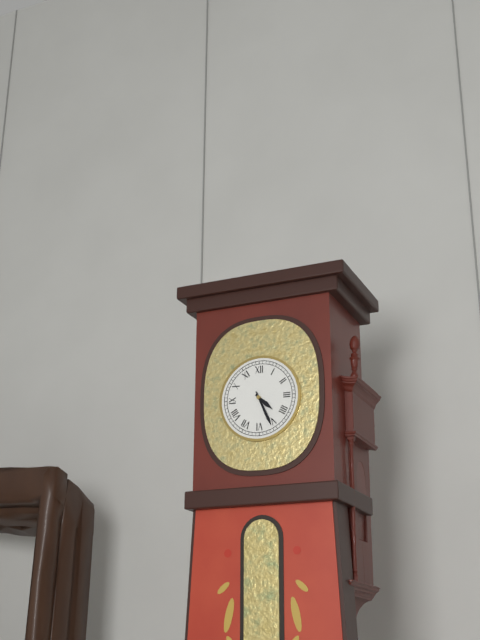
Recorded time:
h=4 m=26
